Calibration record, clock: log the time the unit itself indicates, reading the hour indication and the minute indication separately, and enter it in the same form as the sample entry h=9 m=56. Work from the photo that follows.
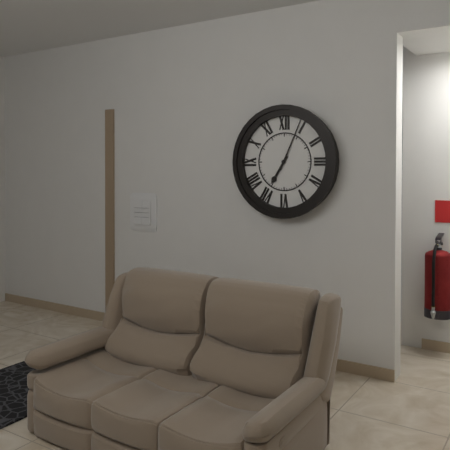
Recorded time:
h=7 m=4
